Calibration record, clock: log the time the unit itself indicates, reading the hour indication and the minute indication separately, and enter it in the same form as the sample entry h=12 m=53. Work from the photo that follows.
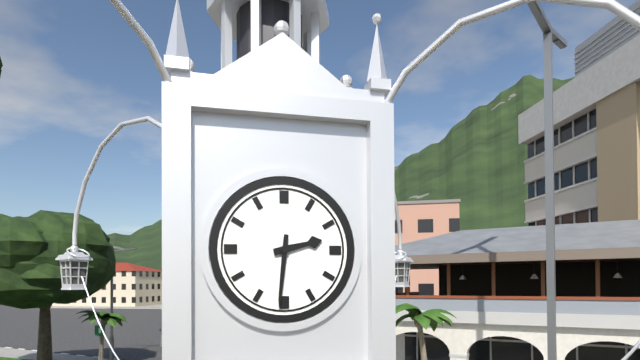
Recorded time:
h=2 m=31
